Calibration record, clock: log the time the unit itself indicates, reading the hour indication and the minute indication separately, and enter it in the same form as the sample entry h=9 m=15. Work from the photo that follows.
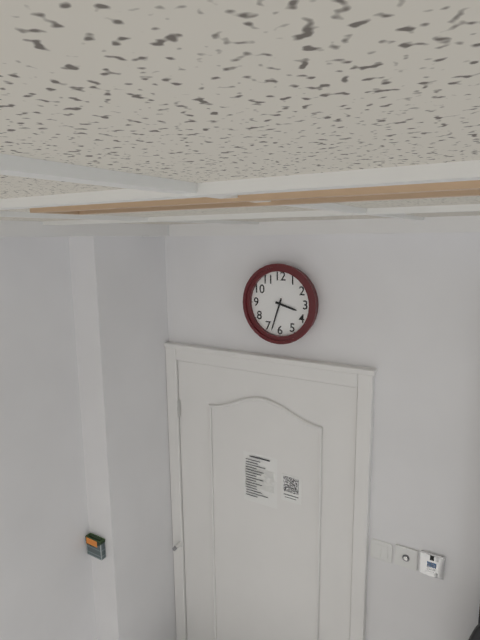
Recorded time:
h=3 m=33
